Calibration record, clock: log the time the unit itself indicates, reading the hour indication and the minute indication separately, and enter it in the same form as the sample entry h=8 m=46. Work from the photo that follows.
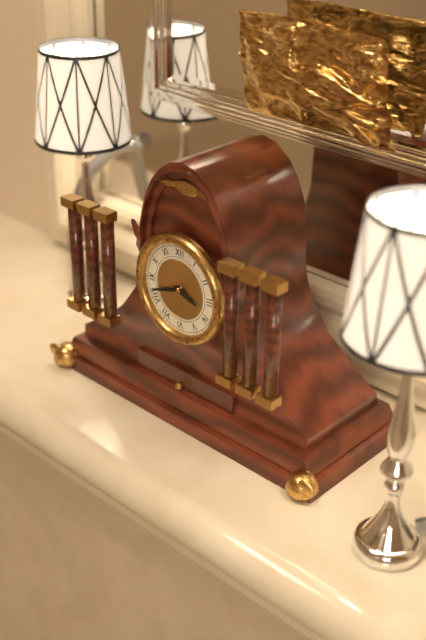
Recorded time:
h=3 m=42
